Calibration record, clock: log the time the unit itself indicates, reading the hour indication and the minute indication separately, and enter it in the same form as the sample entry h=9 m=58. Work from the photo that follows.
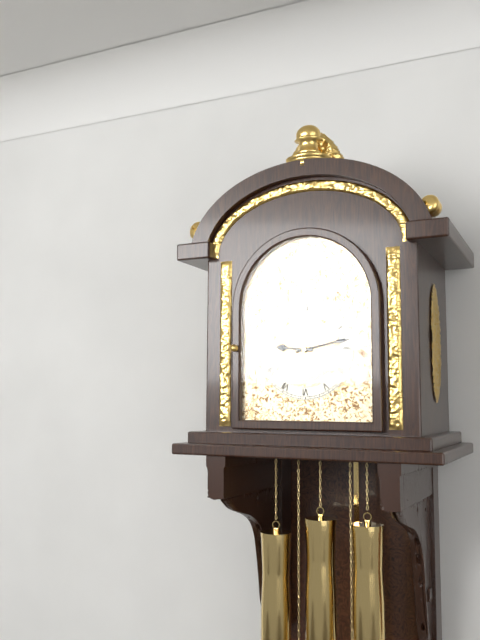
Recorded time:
h=9 m=13
